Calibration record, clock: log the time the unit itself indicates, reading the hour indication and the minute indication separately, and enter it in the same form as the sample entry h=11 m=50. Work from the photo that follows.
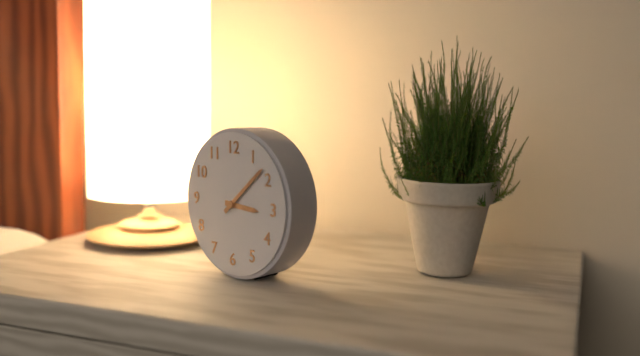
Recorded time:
h=3 m=8
